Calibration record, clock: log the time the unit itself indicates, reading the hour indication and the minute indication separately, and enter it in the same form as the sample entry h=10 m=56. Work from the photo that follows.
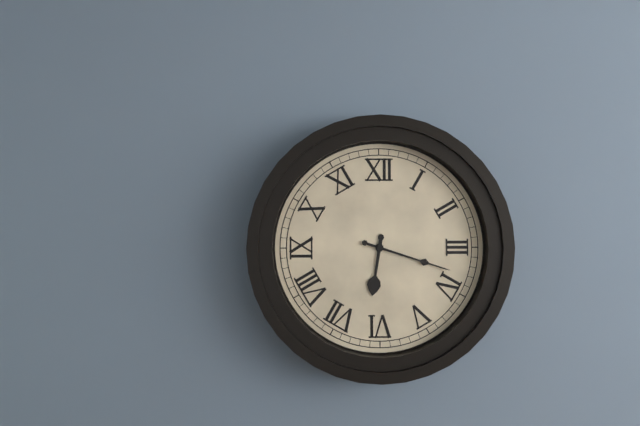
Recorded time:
h=6 m=18
